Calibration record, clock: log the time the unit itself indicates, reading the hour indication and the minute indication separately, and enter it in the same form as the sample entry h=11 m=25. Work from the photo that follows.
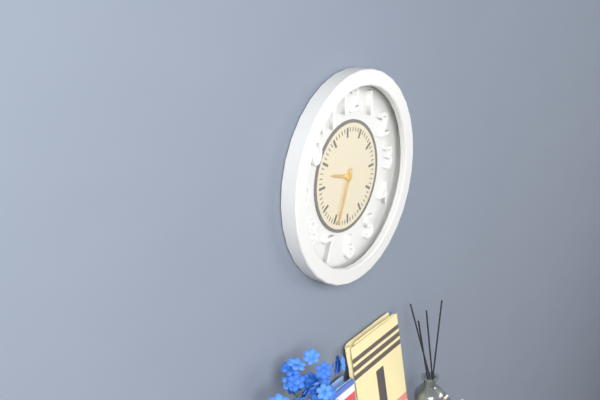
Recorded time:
h=9 m=34
